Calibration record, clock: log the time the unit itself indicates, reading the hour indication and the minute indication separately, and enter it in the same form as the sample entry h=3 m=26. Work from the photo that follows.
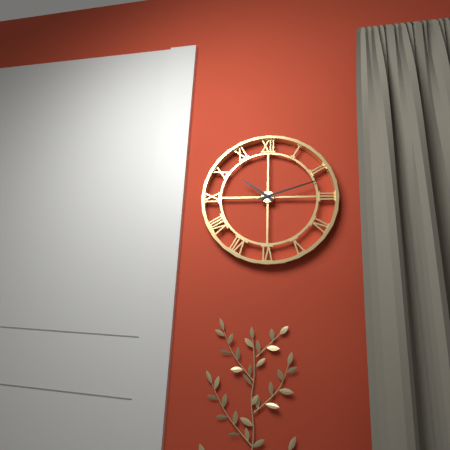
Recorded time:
h=10 m=12
